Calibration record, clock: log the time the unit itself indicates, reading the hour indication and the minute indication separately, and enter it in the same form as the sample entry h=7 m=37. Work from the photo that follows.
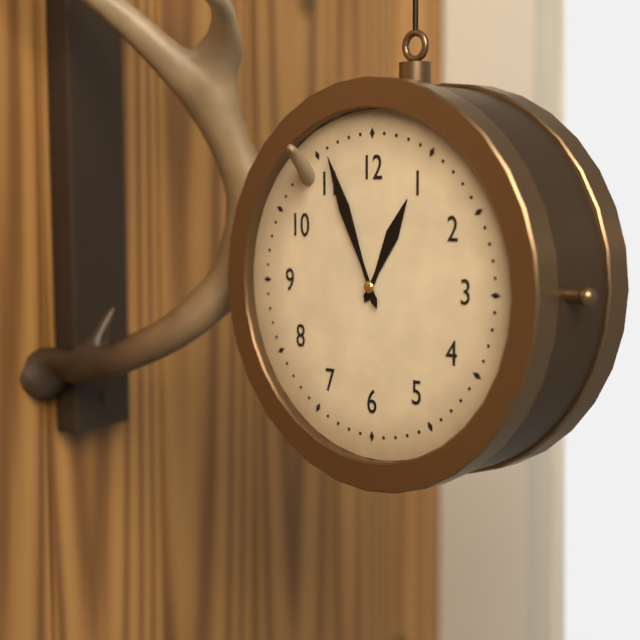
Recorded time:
h=12 m=56
